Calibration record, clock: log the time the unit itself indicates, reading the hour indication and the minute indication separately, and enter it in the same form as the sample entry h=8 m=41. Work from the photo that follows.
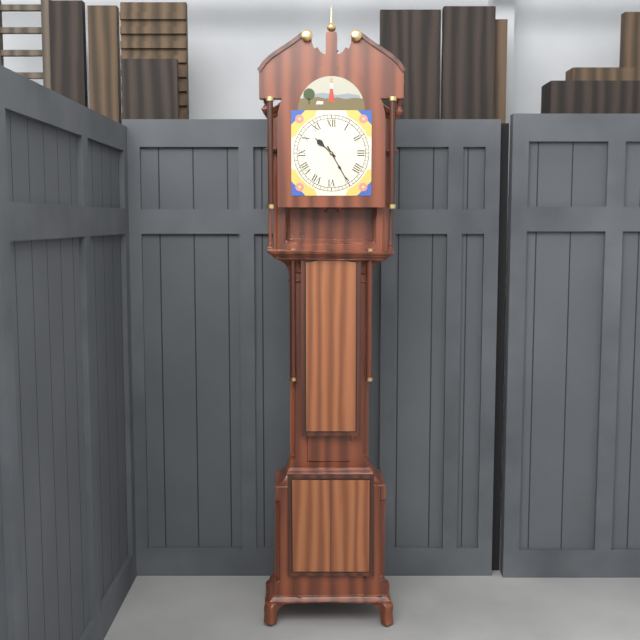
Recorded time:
h=10 m=25
